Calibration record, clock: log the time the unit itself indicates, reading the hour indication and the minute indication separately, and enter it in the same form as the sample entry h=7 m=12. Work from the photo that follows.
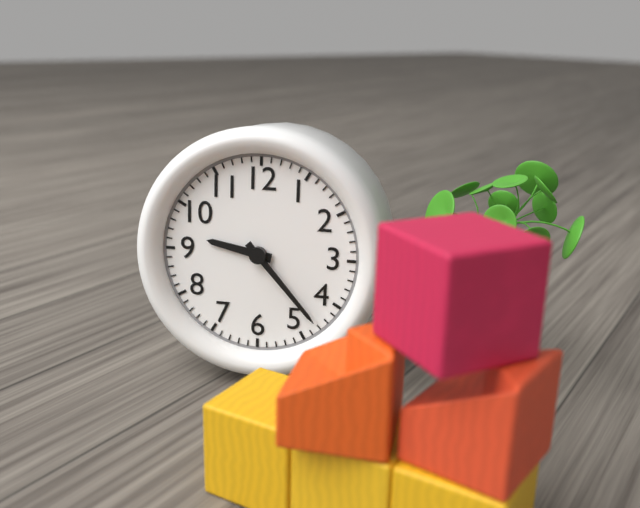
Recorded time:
h=9 m=23
